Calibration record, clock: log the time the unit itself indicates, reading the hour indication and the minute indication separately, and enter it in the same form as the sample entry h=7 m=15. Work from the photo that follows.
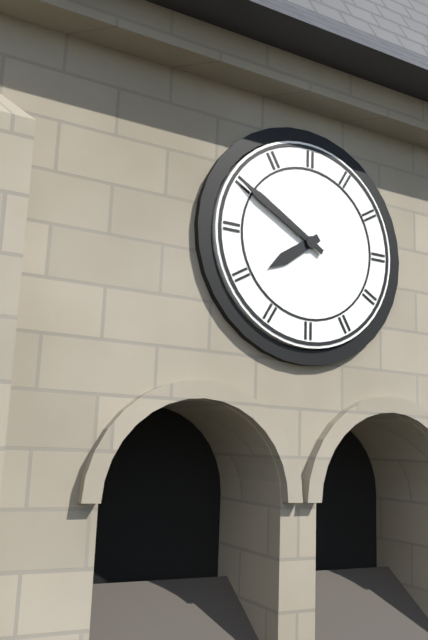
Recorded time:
h=7 m=50
